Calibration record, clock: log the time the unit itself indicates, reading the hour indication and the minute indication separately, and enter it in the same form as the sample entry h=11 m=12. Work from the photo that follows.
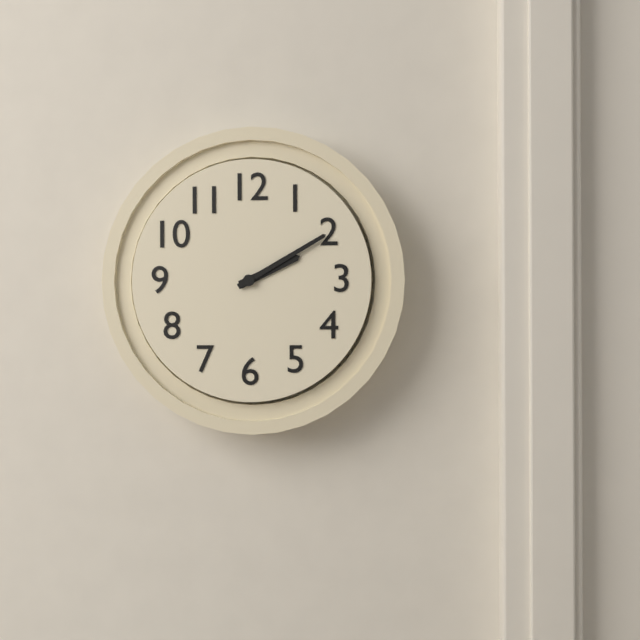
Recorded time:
h=2 m=10
